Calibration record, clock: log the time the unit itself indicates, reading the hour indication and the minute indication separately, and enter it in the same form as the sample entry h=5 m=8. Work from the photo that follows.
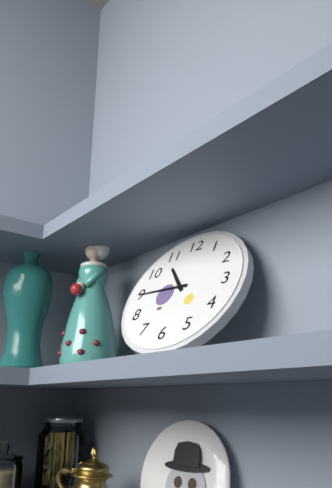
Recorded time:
h=10 m=45
